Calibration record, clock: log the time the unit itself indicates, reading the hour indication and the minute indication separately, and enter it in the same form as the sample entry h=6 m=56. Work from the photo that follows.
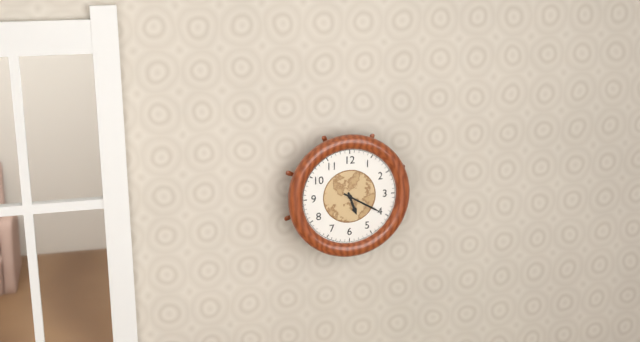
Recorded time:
h=5 m=20
